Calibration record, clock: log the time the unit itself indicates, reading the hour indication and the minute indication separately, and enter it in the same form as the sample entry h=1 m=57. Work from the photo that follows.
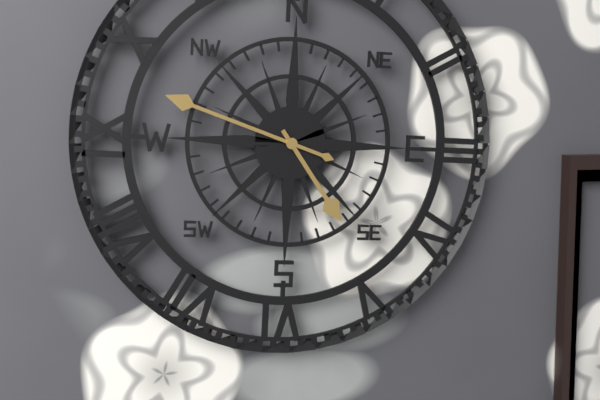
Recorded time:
h=4 m=48
